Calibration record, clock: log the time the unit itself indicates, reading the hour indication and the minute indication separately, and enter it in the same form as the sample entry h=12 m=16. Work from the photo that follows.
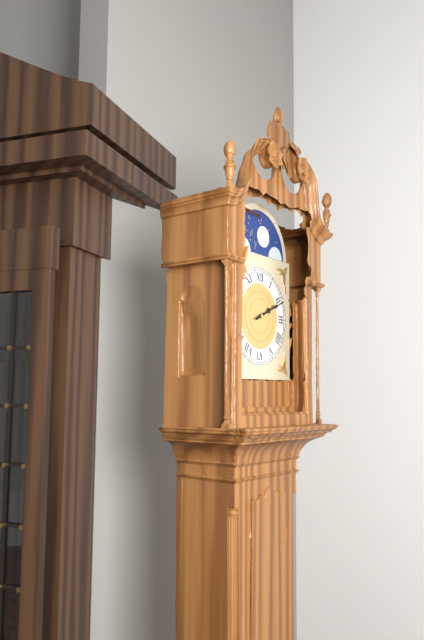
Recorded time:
h=2 m=11
